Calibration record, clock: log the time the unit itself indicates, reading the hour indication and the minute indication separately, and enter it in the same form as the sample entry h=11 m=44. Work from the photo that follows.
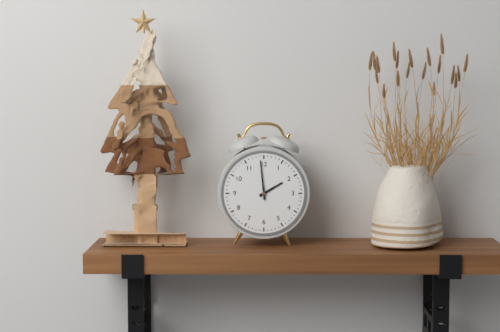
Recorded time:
h=1 m=59
